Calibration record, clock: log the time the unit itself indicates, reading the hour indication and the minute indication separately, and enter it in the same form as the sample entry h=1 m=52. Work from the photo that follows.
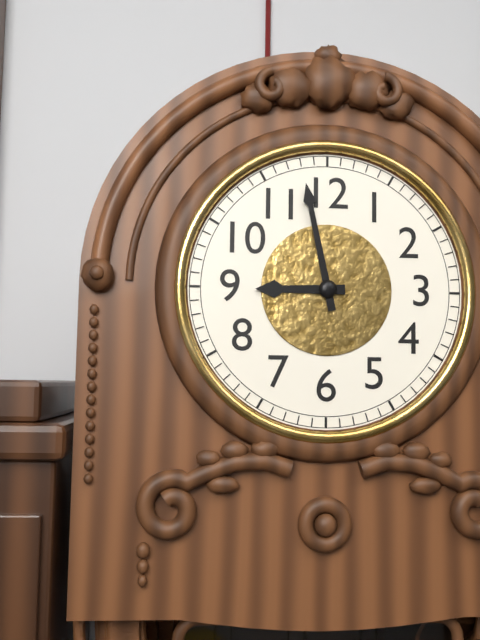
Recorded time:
h=8 m=58
